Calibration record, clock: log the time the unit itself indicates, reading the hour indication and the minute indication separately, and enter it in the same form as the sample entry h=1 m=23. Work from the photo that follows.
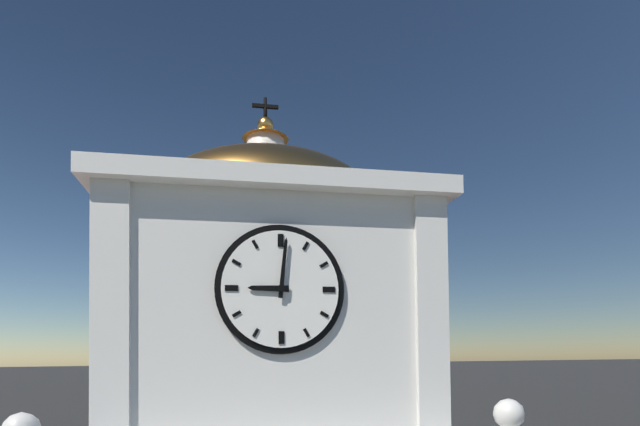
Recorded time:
h=9 m=1
